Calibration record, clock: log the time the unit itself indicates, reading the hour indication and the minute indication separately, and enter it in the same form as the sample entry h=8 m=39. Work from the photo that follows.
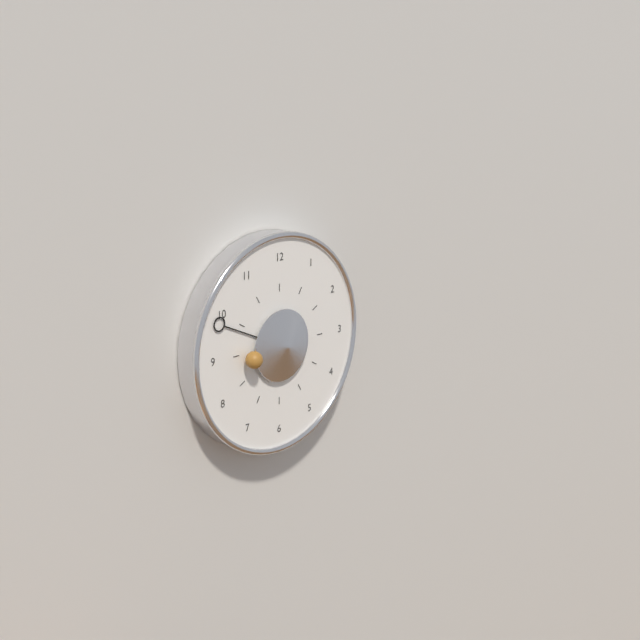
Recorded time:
h=8 m=49
